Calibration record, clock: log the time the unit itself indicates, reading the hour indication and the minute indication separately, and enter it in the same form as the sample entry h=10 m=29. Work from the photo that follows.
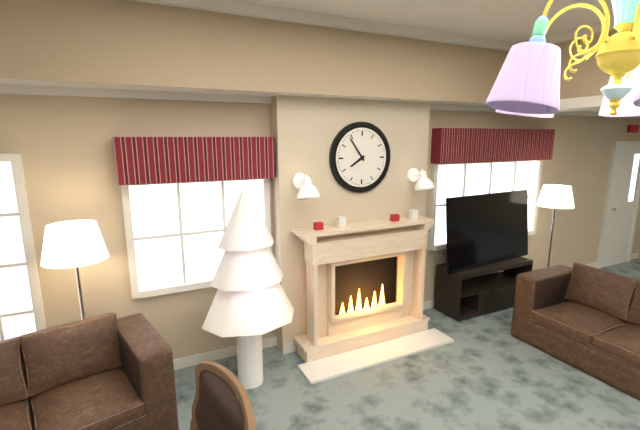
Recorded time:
h=7 m=54
